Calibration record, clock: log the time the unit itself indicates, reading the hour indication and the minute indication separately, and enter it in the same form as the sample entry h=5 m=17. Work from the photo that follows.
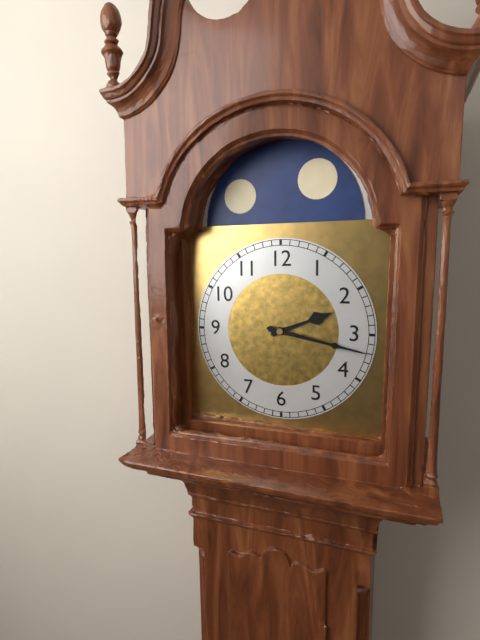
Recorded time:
h=2 m=17
